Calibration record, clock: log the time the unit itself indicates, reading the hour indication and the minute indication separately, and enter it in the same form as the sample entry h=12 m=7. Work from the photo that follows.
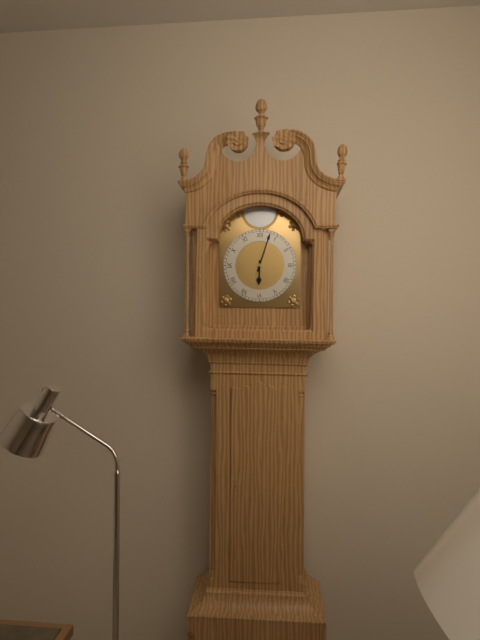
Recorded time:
h=6 m=3
